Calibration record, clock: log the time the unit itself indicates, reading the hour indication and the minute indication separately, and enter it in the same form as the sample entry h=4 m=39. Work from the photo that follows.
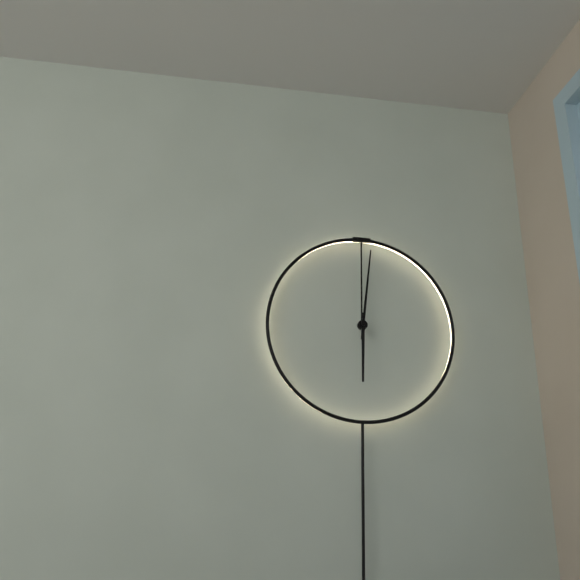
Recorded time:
h=6 m=1
